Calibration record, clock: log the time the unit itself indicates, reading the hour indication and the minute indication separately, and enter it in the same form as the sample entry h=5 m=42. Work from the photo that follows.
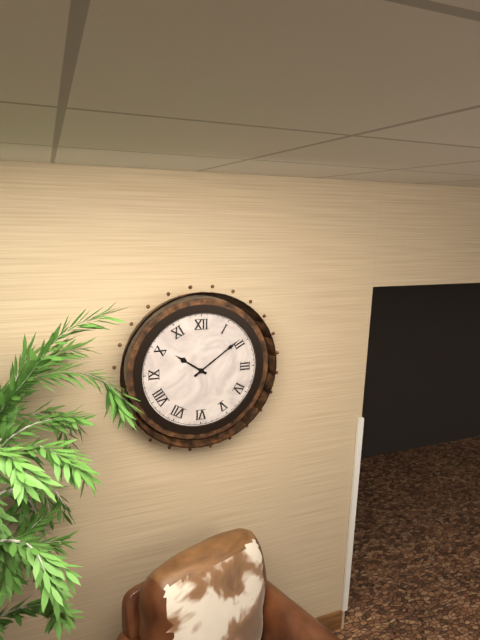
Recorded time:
h=10 m=9
